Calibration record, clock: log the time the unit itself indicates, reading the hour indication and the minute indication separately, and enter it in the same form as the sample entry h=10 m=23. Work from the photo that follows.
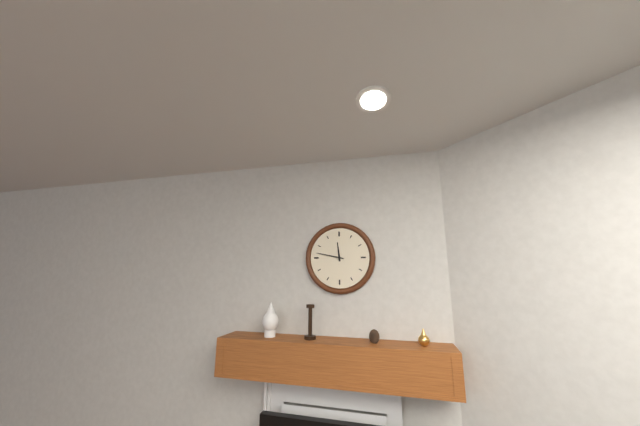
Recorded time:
h=11 m=47
